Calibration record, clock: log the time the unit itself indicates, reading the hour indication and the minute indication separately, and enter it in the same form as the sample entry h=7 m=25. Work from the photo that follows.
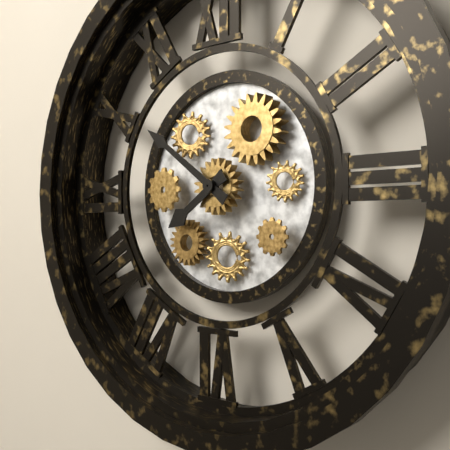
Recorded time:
h=7 m=51
